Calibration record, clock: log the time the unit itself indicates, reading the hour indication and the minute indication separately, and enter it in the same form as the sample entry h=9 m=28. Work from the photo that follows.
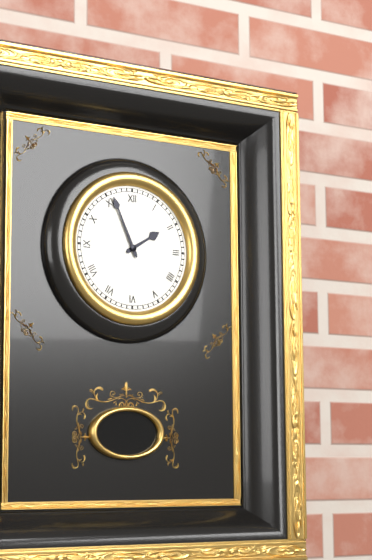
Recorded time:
h=1 m=56
